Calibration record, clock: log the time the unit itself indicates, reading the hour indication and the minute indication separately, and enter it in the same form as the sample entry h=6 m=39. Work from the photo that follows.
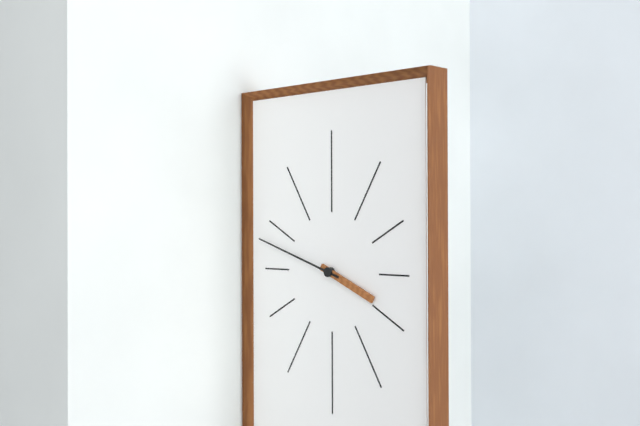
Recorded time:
h=3 m=48
